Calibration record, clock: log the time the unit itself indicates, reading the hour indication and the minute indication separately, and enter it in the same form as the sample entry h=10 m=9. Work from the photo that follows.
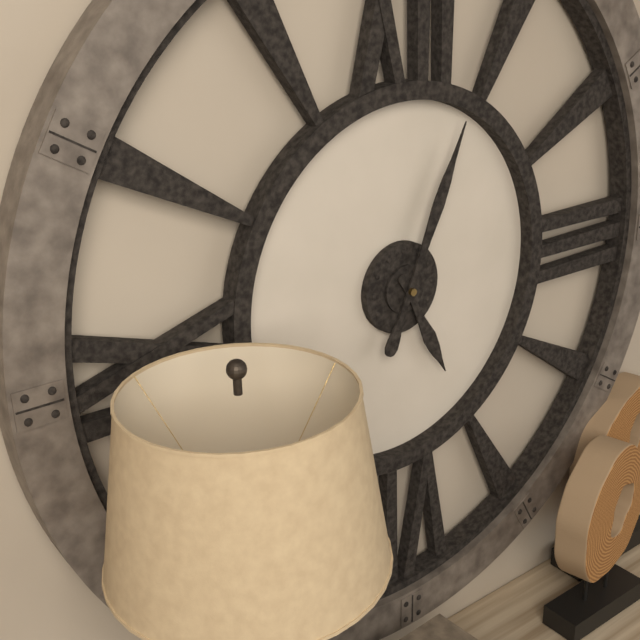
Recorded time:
h=5 m=4
